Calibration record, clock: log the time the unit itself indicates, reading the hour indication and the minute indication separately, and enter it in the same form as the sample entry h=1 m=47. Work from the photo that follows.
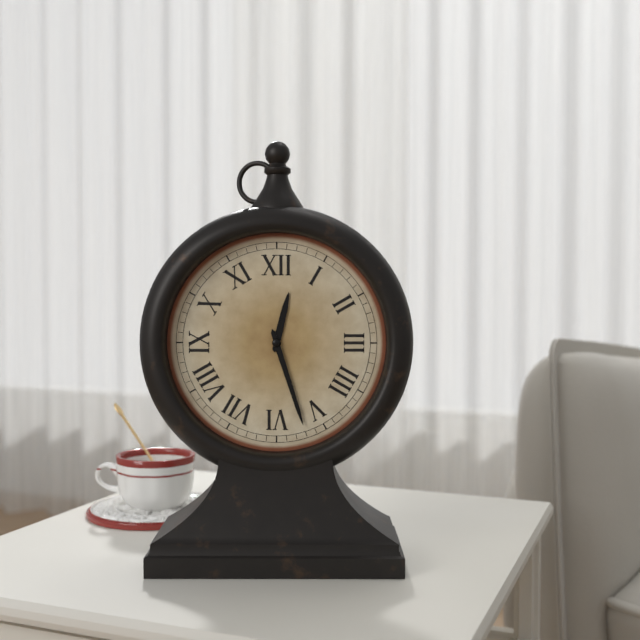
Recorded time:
h=12 m=27
